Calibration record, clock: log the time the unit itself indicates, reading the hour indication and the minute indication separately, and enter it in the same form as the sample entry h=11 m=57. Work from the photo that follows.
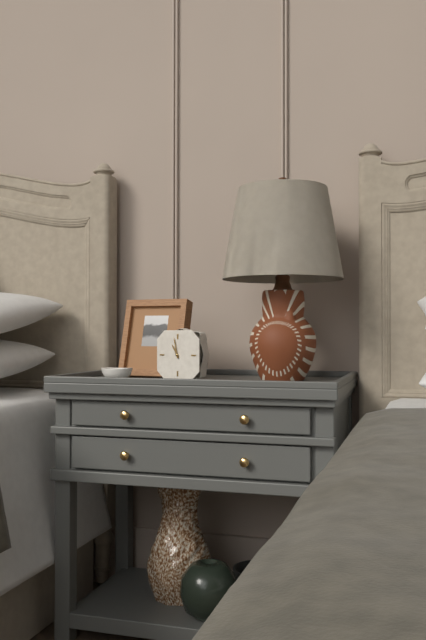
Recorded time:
h=10 m=58
